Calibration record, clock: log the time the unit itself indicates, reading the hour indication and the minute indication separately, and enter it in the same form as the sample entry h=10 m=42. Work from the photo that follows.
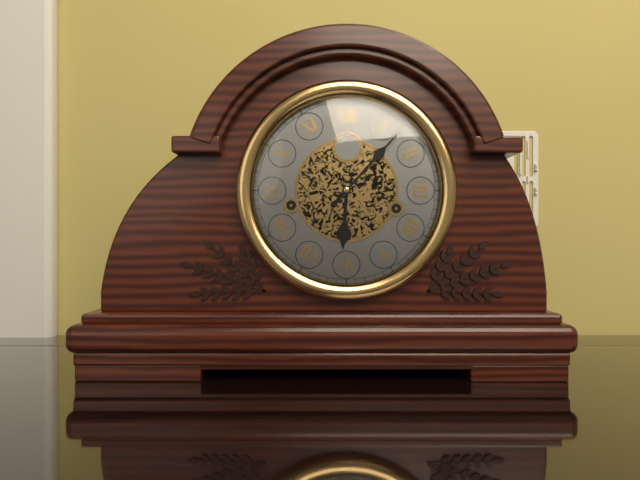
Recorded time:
h=6 m=7
